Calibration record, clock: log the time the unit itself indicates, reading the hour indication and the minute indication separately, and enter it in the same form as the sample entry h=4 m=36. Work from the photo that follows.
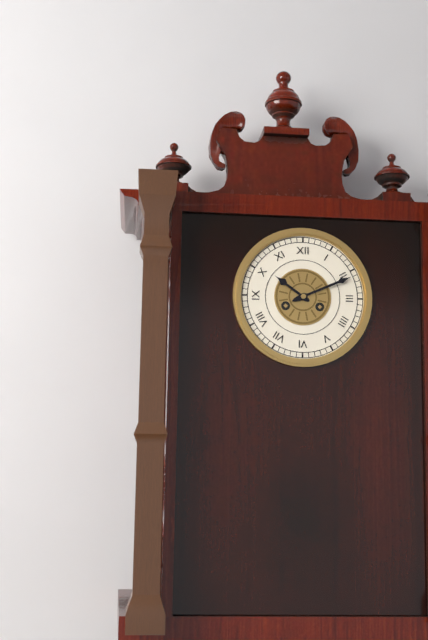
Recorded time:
h=10 m=11
